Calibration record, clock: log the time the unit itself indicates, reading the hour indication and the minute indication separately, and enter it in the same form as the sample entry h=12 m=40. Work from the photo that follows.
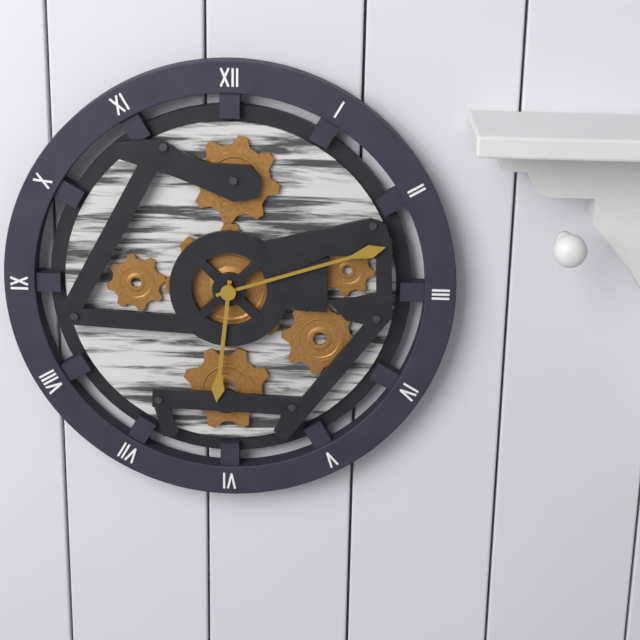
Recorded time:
h=6 m=12
